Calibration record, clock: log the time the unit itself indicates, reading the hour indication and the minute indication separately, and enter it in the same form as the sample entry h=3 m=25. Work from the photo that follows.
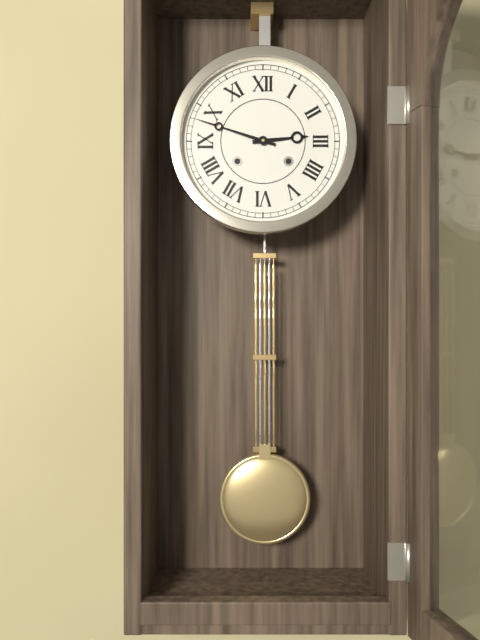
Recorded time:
h=2 m=48
